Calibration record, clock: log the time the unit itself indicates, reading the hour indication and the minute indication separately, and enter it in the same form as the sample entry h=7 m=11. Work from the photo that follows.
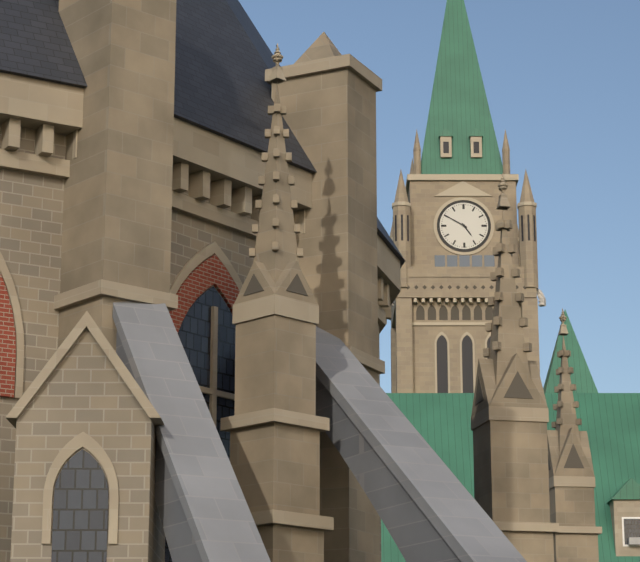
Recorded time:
h=4 m=50
